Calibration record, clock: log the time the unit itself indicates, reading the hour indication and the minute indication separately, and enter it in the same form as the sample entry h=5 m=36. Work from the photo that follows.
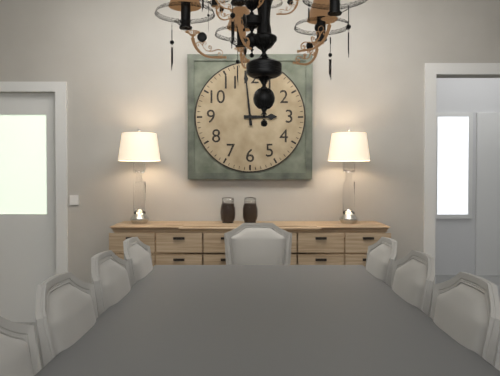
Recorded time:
h=2 m=59
